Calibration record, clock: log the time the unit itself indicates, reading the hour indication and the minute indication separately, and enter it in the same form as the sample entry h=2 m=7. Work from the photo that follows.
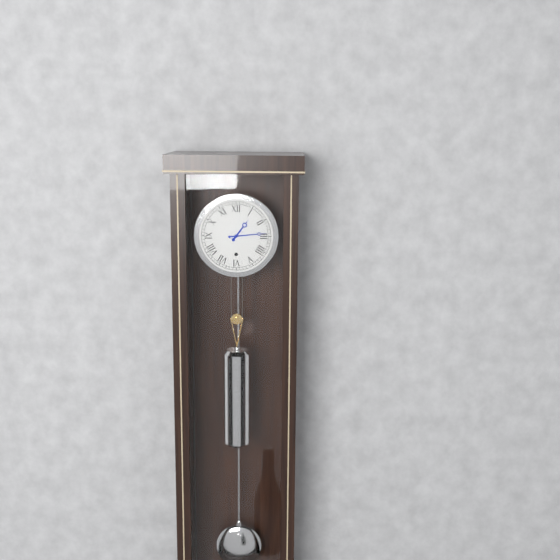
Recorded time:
h=1 m=14
